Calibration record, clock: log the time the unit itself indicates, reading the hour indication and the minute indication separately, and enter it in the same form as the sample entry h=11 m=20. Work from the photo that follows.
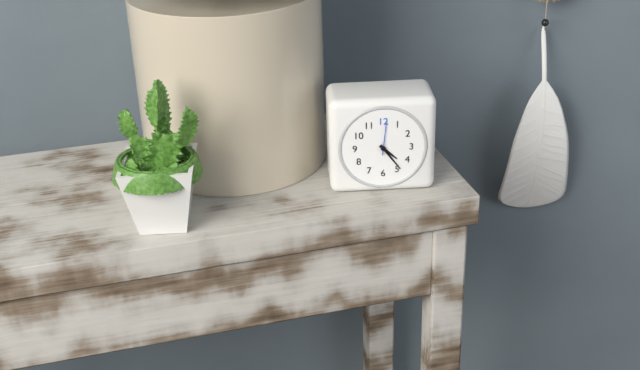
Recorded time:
h=4 m=24
